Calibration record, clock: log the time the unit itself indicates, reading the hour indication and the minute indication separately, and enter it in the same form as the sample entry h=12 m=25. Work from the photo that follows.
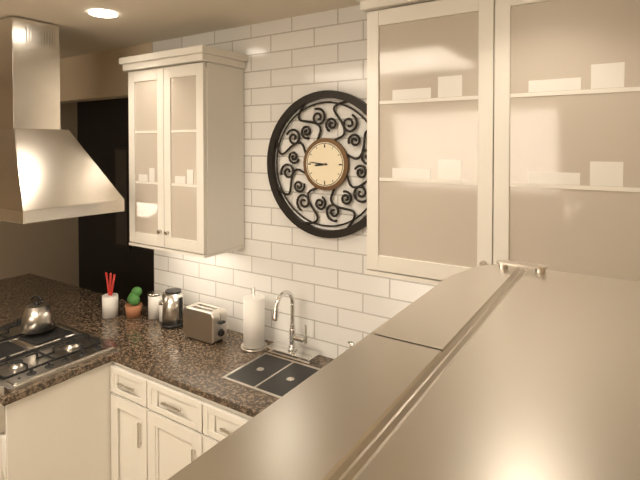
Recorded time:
h=8 m=46
